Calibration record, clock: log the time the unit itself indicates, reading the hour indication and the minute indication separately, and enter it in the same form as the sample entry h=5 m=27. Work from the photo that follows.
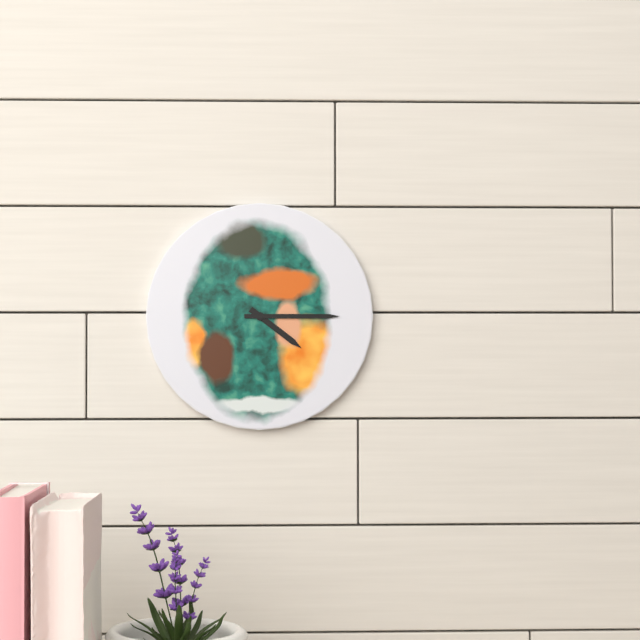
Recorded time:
h=4 m=15
